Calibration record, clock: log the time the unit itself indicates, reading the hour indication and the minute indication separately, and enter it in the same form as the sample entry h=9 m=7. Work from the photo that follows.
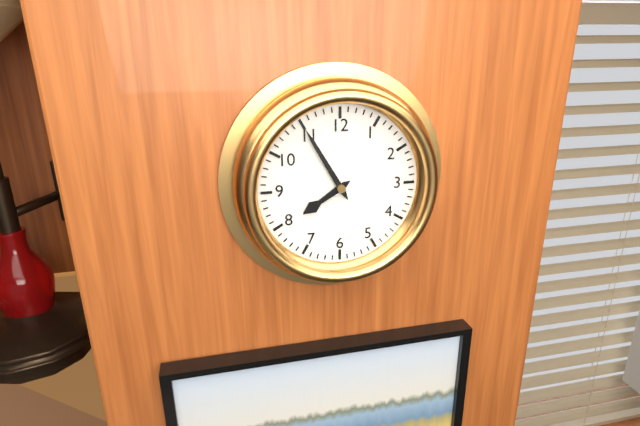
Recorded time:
h=7 m=55
